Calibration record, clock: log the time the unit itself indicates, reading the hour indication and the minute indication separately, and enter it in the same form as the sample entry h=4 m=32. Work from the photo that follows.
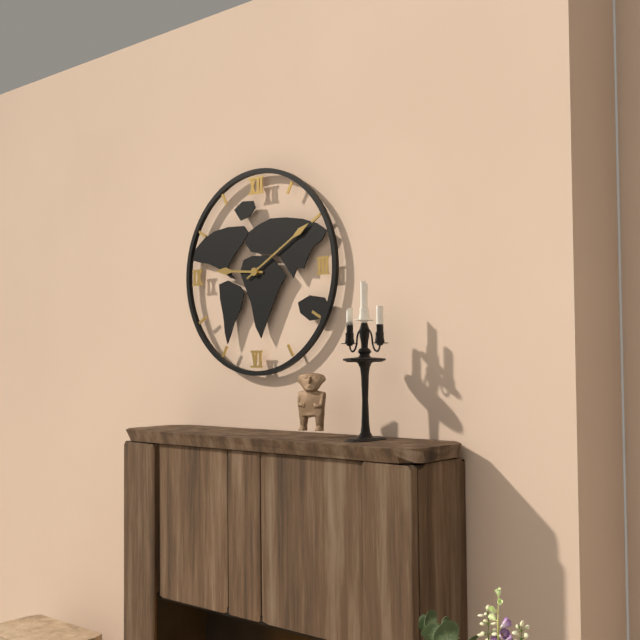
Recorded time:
h=9 m=10
